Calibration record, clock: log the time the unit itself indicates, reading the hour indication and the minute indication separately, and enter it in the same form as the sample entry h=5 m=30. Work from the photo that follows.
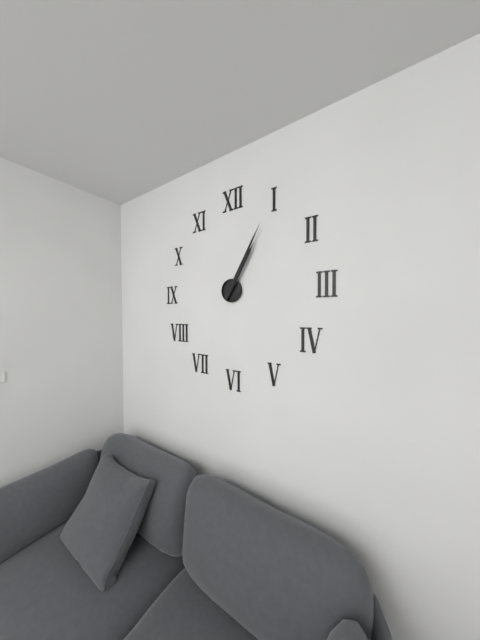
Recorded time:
h=1 m=5
